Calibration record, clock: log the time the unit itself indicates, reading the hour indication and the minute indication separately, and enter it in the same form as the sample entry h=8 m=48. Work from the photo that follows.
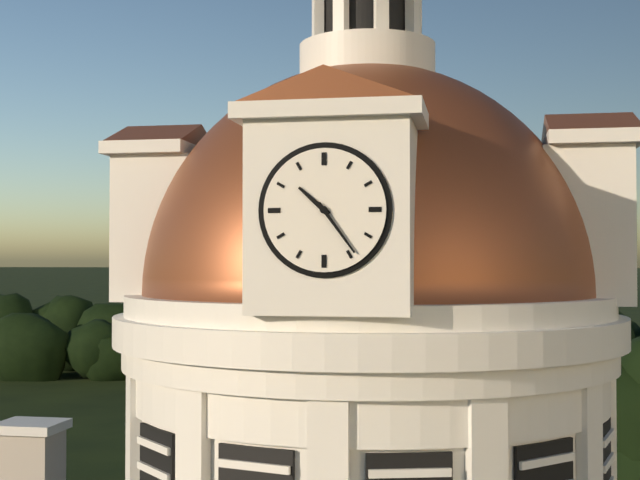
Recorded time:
h=10 m=24
